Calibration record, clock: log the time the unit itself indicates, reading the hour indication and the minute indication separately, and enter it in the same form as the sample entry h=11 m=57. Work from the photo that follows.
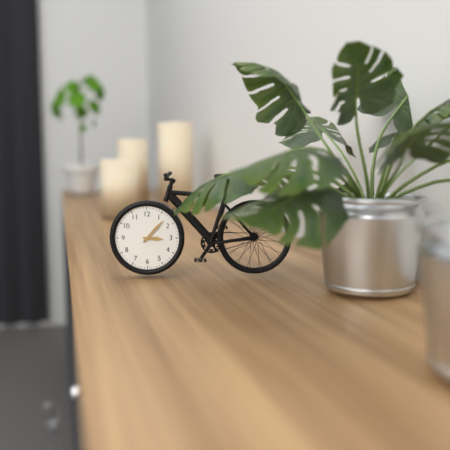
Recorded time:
h=3 m=7
